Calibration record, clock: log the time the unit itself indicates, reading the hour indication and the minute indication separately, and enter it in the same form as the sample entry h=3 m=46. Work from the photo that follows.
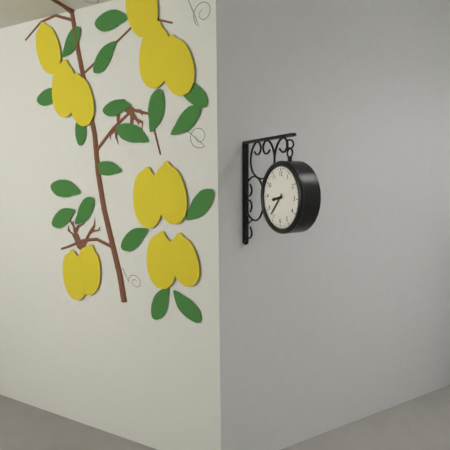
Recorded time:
h=8 m=37
